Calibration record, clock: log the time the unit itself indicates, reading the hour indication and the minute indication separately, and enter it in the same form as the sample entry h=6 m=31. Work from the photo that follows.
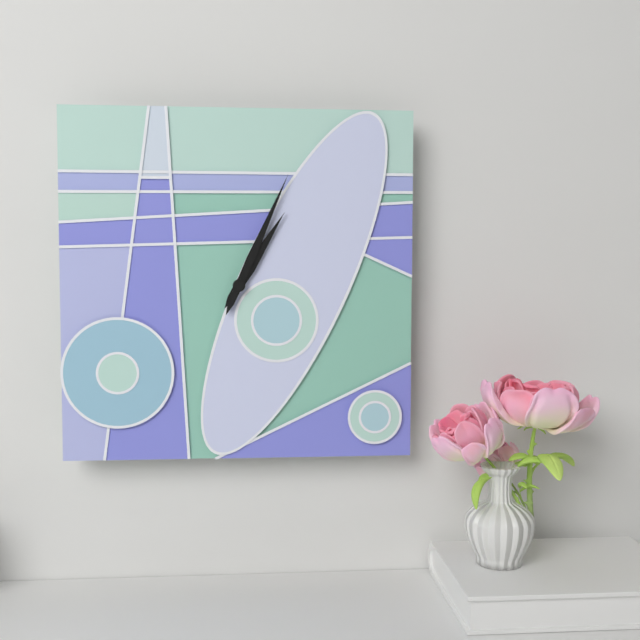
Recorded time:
h=1 m=4
